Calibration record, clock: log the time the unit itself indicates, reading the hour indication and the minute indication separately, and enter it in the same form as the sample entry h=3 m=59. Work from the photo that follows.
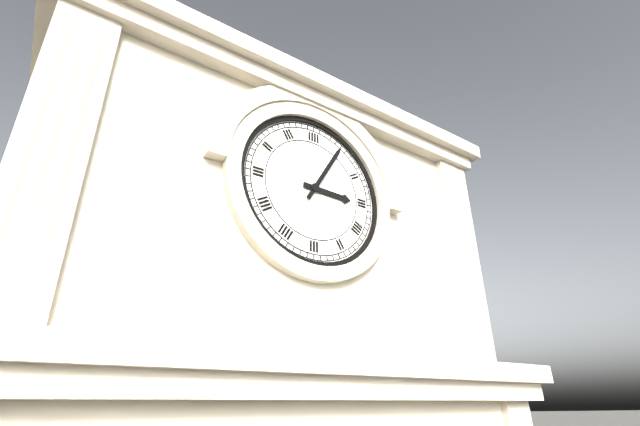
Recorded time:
h=3 m=5
